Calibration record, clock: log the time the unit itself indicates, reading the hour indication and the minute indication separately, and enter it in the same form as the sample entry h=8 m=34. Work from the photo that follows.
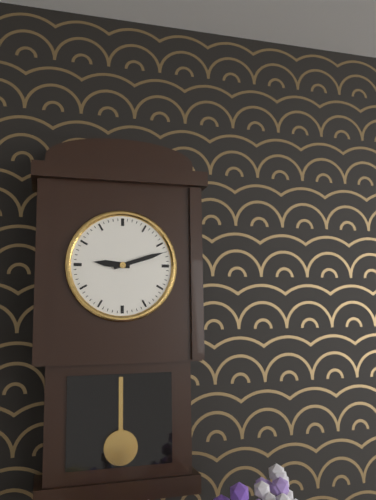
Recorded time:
h=9 m=12
